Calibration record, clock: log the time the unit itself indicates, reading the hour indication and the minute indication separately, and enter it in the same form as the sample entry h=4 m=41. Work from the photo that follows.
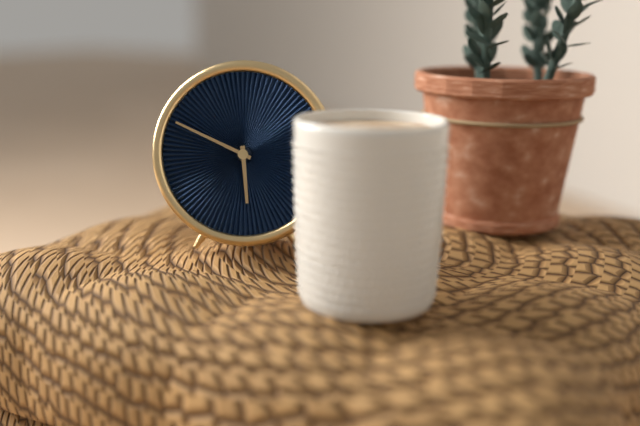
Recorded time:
h=5 m=49
